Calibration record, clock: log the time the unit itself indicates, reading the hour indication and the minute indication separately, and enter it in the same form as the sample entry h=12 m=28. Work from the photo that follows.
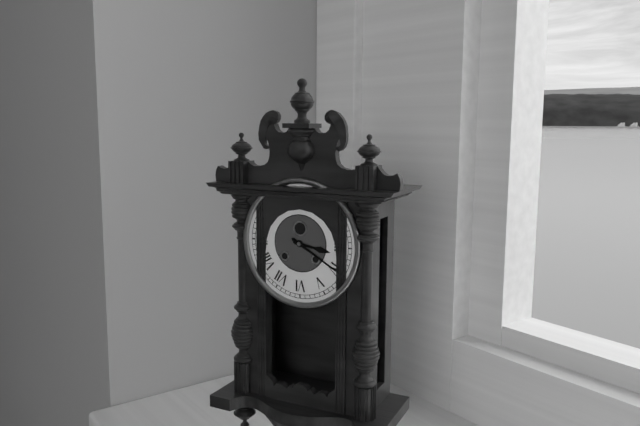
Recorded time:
h=3 m=20
